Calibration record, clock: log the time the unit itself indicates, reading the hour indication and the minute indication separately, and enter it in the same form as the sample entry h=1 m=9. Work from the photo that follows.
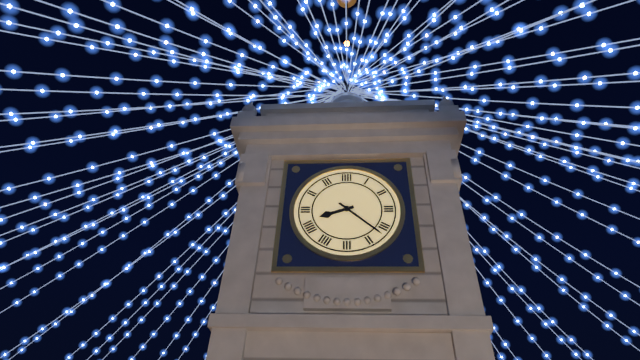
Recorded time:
h=8 m=22
